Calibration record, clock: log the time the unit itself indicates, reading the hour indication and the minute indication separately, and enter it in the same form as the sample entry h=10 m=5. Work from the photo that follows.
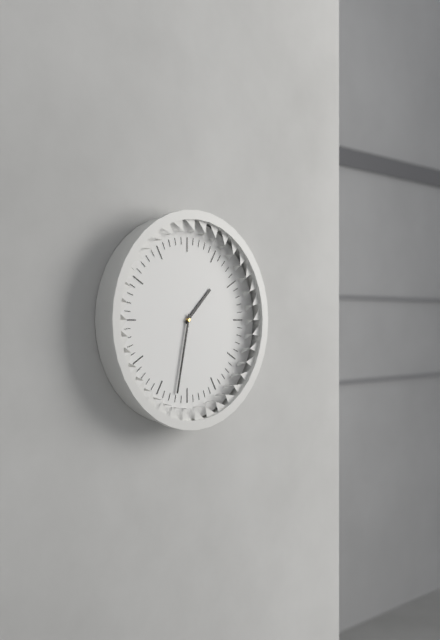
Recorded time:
h=1 m=32
